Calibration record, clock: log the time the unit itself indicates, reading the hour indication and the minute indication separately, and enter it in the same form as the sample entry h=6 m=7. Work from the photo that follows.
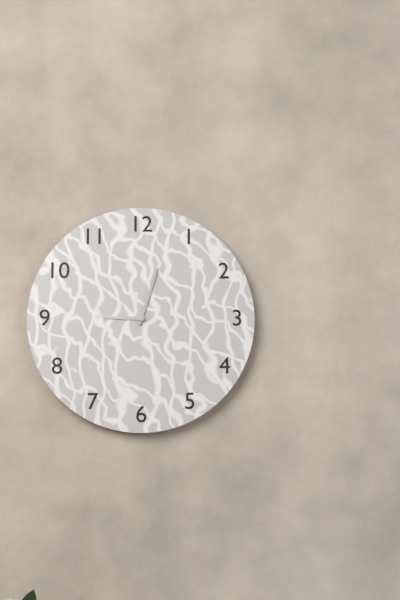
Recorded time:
h=9 m=3
